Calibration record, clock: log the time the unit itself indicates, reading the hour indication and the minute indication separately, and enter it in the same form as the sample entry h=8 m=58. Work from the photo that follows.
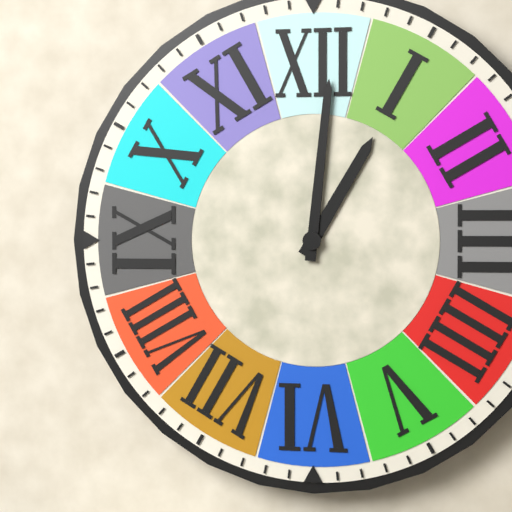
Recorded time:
h=1 m=1
